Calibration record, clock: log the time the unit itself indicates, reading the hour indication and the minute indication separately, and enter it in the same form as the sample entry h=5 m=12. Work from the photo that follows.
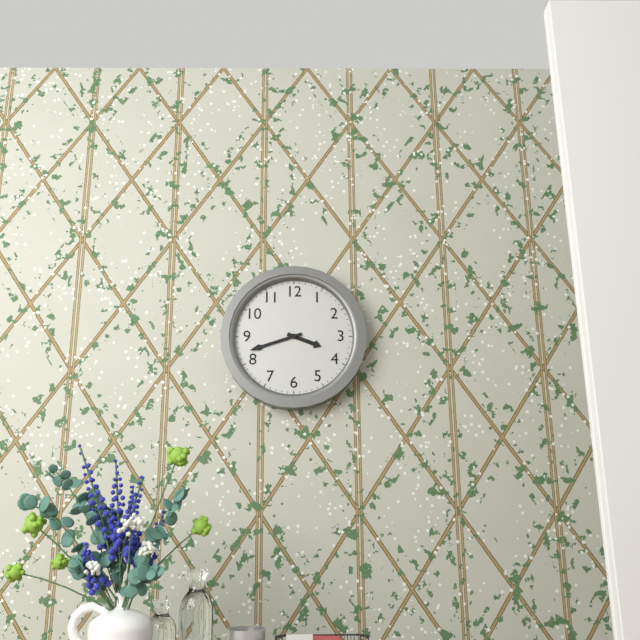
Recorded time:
h=3 m=42
